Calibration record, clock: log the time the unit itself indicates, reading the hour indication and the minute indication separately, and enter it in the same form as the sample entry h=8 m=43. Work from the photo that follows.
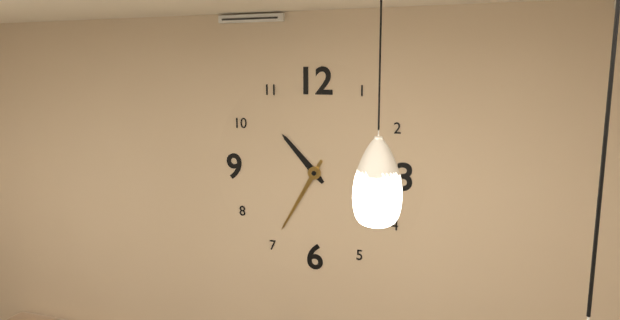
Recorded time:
h=10 m=35
